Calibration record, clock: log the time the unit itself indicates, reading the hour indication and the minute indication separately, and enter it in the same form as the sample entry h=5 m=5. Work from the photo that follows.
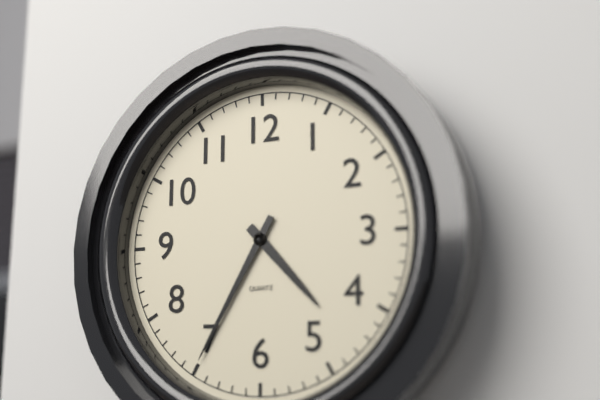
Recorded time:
h=4 m=35
